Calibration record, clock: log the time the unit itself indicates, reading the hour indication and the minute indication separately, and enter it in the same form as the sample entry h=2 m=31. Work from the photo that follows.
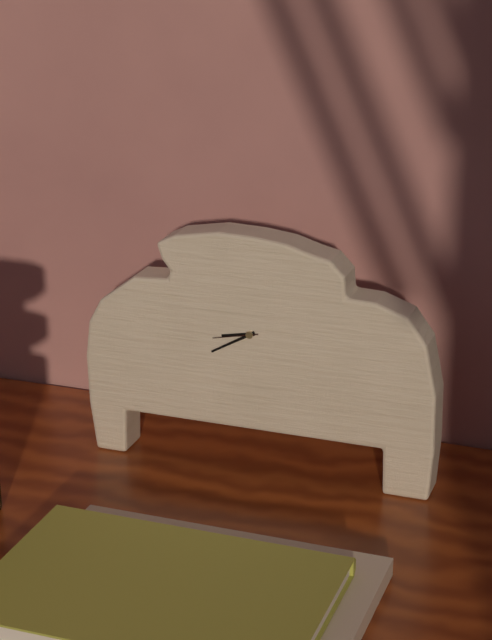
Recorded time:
h=8 m=40
